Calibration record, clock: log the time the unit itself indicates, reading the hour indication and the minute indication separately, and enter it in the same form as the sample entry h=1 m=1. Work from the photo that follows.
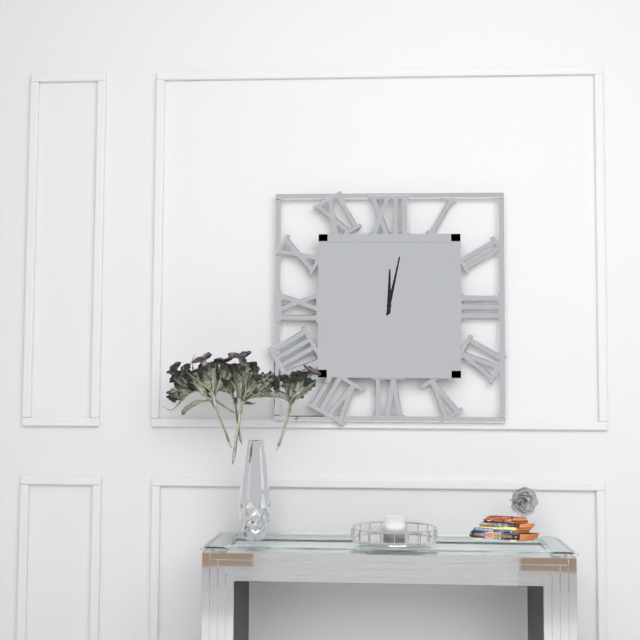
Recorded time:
h=12 m=2
